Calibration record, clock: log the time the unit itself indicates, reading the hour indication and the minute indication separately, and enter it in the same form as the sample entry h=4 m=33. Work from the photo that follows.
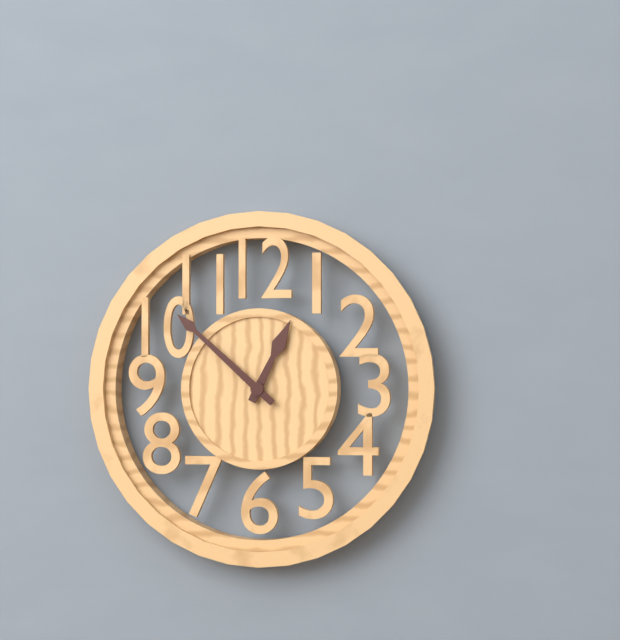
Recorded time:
h=12 m=52
